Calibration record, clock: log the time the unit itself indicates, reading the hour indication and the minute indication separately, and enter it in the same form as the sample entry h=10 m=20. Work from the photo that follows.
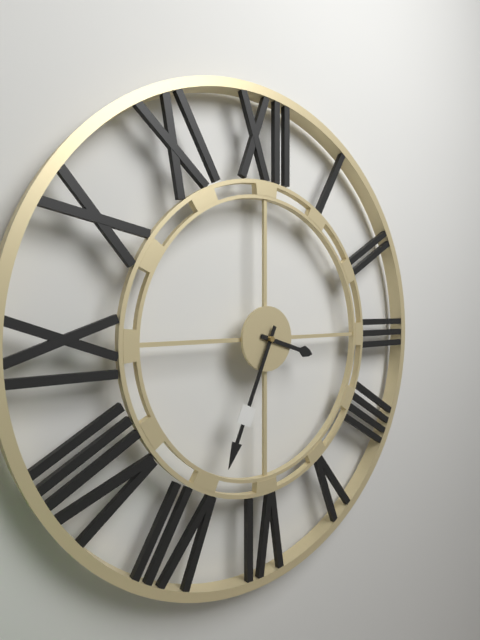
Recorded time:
h=3 m=34
